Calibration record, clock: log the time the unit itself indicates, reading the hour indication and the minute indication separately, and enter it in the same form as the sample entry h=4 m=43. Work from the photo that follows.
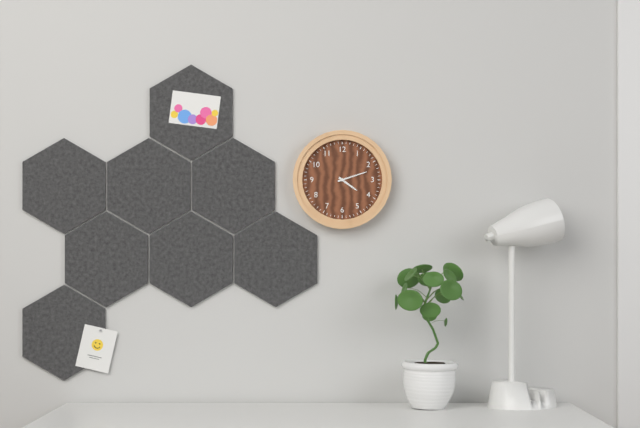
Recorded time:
h=4 m=12
